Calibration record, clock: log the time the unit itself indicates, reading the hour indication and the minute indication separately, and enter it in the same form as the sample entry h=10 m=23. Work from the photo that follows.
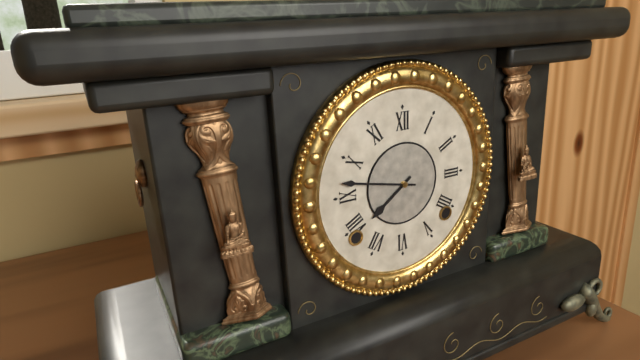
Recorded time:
h=7 m=47
